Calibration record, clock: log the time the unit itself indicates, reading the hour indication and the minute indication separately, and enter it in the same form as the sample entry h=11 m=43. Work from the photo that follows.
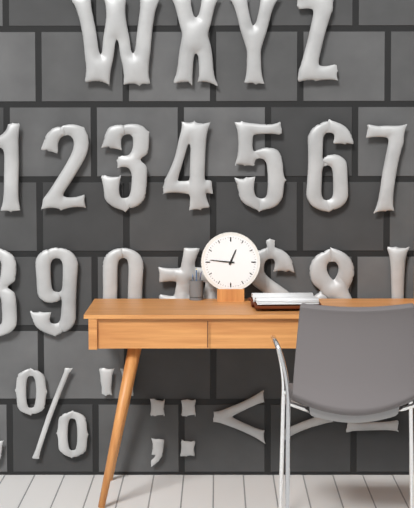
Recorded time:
h=12 m=46
